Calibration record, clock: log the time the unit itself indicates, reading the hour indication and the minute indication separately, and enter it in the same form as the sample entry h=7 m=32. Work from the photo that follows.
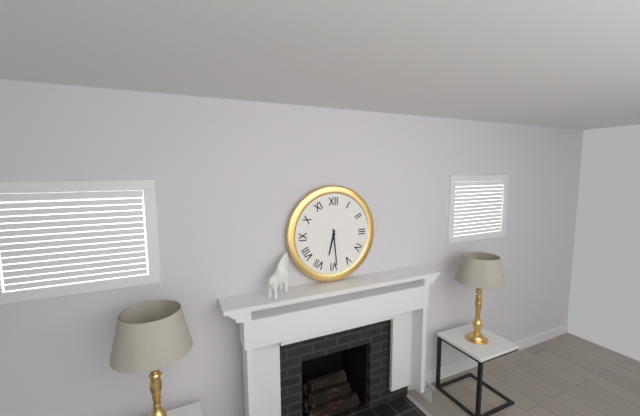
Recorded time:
h=6 m=29
